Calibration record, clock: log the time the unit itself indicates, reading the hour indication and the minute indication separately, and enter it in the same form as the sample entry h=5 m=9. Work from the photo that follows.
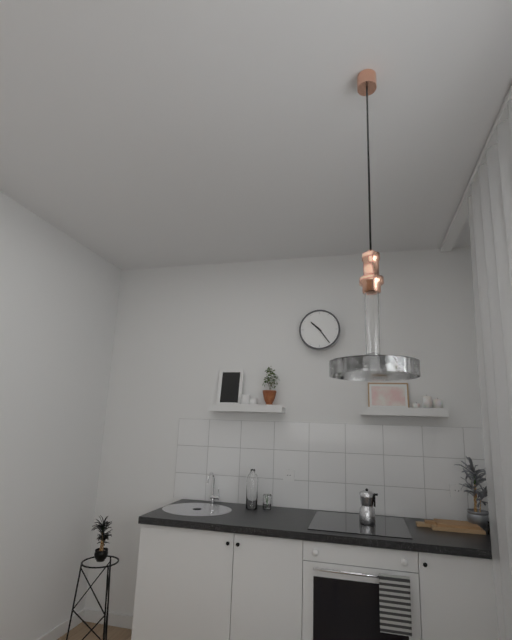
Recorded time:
h=10 m=24
